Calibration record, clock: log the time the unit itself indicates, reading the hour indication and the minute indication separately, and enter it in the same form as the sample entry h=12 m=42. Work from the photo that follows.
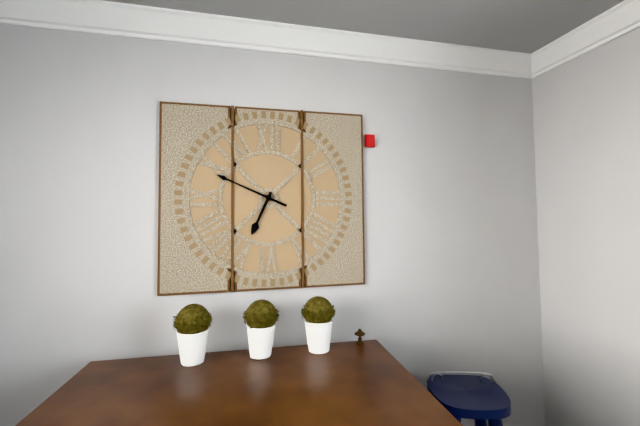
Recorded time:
h=6 m=49
